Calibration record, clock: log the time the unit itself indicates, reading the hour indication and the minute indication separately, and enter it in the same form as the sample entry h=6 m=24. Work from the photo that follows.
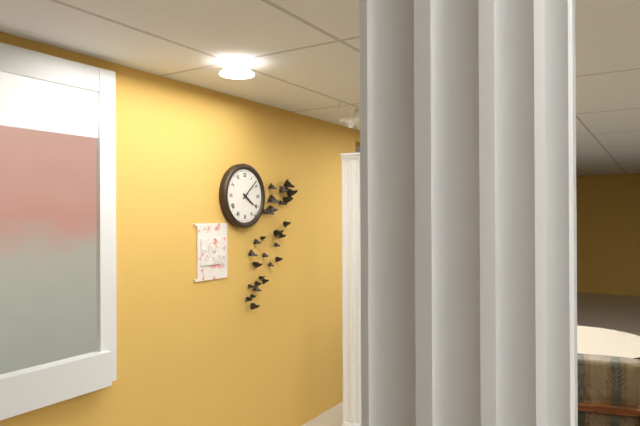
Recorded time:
h=4 m=8
